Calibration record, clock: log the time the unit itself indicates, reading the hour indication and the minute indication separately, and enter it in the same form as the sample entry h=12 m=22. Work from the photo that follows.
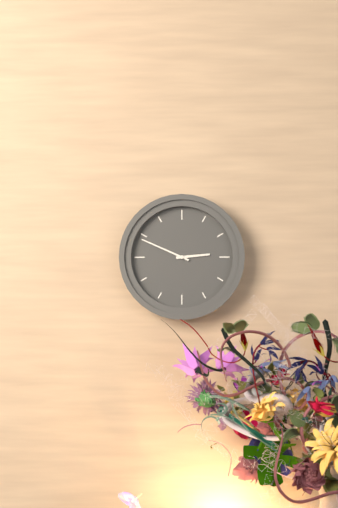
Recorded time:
h=2 m=49
